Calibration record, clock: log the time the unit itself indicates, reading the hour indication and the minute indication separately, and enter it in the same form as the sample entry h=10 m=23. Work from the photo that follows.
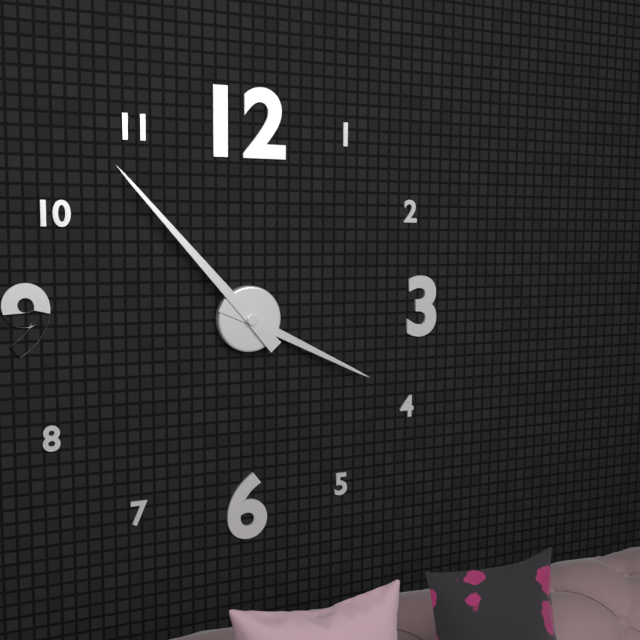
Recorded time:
h=3 m=53
